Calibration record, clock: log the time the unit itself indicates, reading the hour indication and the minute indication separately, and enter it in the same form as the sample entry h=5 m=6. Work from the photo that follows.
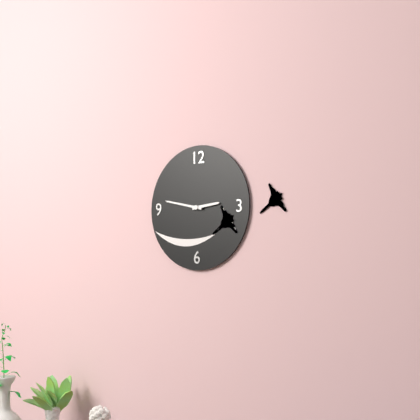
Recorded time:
h=2 m=47
